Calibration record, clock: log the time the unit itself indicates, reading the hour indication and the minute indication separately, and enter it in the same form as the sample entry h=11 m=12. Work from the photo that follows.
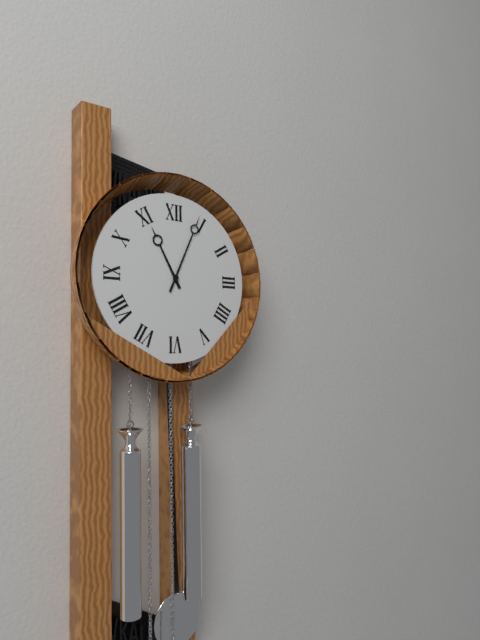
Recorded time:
h=11 m=4
